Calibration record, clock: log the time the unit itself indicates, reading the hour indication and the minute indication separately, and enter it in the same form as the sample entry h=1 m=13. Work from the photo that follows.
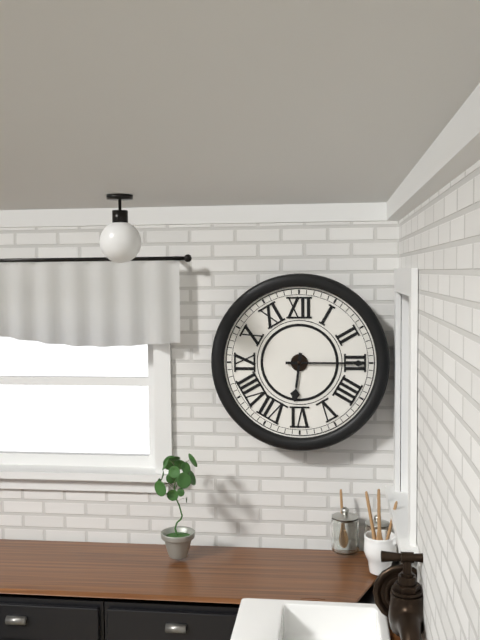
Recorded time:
h=6 m=15
